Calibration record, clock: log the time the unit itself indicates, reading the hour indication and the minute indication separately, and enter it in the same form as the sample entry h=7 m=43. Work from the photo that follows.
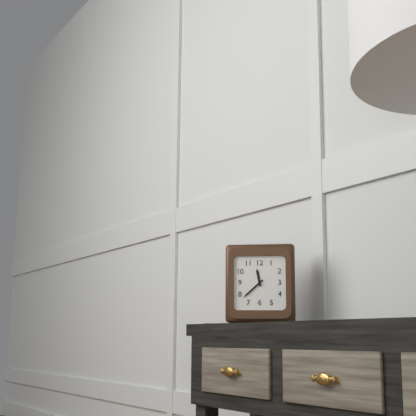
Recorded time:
h=11 m=38
